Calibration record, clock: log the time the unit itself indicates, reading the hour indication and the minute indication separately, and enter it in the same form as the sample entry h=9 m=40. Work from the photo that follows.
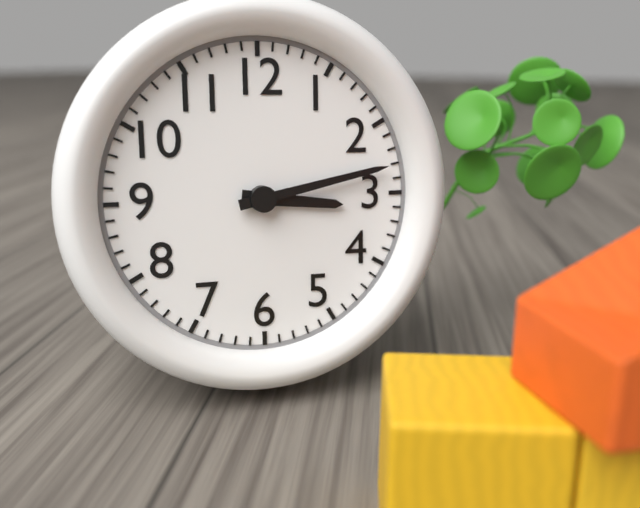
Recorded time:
h=3 m=13
